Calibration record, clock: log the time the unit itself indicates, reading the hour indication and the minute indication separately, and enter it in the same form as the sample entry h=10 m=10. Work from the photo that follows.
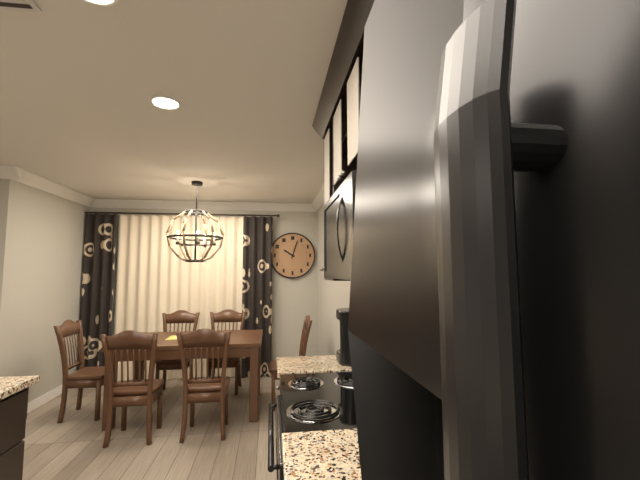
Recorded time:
h=10 m=3
